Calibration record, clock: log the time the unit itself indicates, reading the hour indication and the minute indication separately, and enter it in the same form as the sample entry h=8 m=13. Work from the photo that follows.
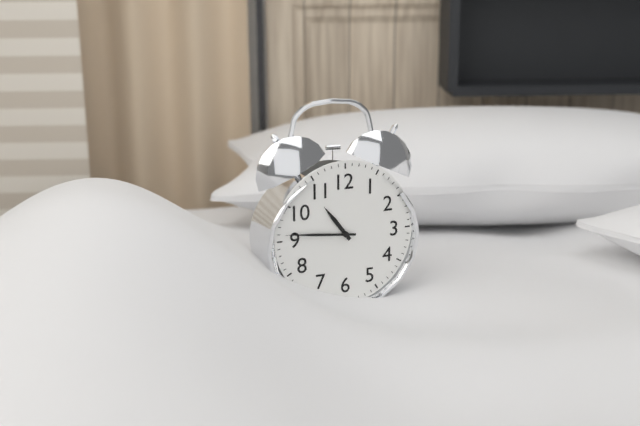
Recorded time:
h=10 m=46
